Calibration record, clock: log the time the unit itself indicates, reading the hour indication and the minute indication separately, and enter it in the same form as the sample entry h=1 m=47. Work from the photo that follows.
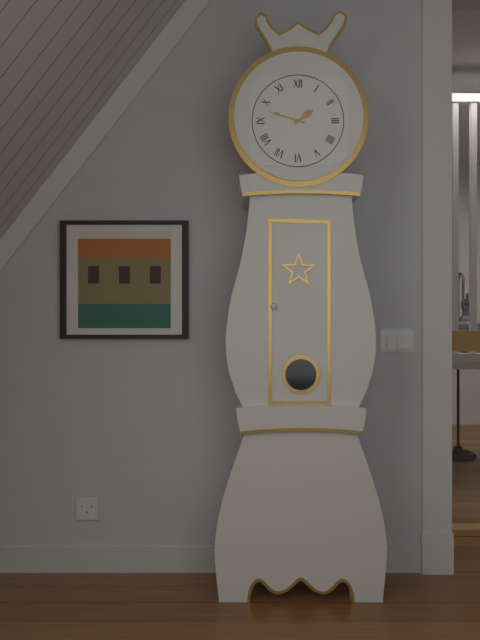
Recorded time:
h=1 m=48
